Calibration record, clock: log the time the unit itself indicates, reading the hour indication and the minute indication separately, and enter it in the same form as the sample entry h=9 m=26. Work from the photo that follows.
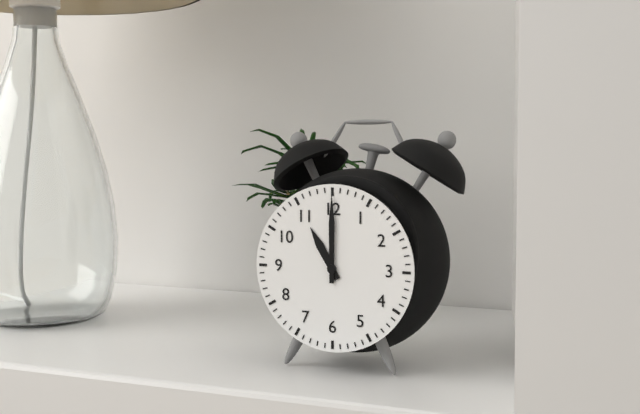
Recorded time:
h=11 m=0
